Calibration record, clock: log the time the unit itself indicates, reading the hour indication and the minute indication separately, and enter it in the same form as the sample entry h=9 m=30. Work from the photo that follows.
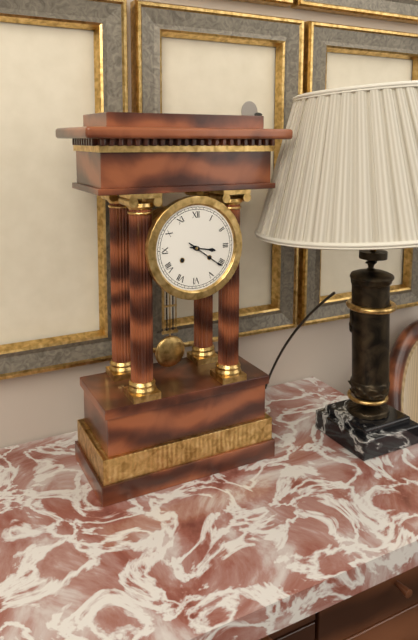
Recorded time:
h=3 m=21
